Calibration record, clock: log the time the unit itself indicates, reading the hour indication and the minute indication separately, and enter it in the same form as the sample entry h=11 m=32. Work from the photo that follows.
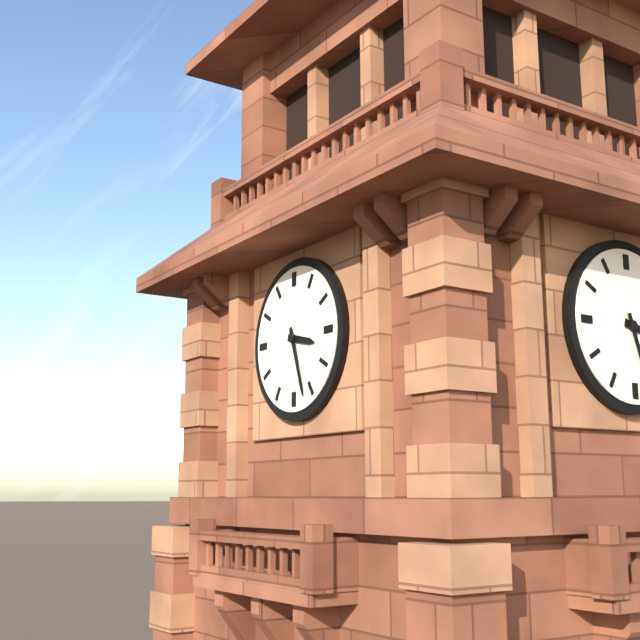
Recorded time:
h=3 m=27
